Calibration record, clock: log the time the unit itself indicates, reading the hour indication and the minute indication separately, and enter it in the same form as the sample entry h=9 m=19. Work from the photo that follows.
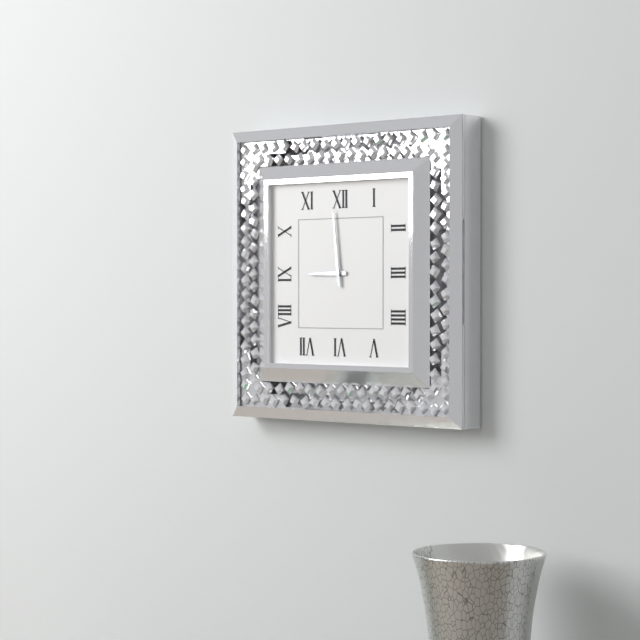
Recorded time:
h=8 m=59
